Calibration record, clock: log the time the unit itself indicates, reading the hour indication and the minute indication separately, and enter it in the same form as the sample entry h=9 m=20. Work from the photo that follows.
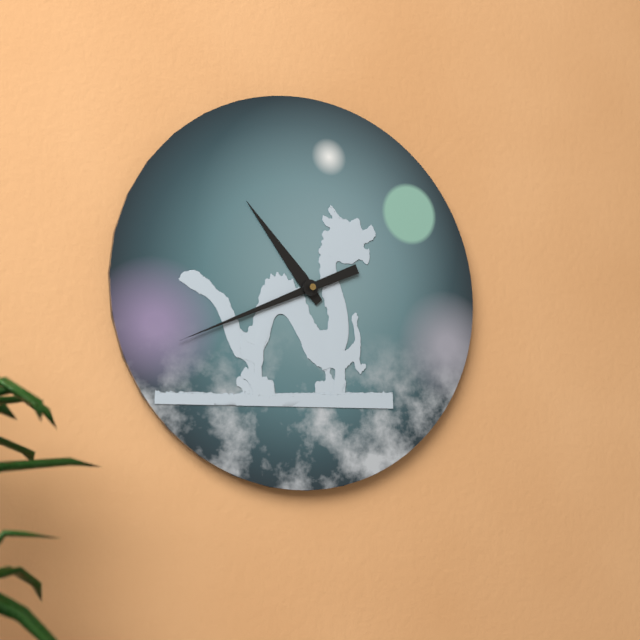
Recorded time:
h=10 m=41
